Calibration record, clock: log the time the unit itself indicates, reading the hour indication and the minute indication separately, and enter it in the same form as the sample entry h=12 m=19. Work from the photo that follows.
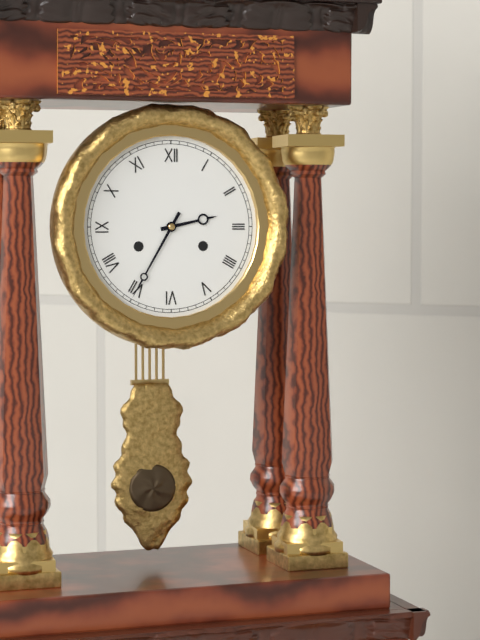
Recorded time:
h=2 m=35
